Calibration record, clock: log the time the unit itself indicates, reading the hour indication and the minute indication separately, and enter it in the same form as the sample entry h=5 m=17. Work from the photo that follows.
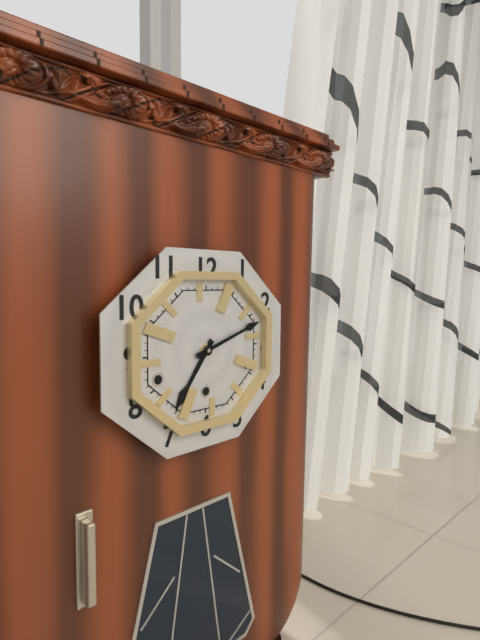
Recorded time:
h=7 m=12
